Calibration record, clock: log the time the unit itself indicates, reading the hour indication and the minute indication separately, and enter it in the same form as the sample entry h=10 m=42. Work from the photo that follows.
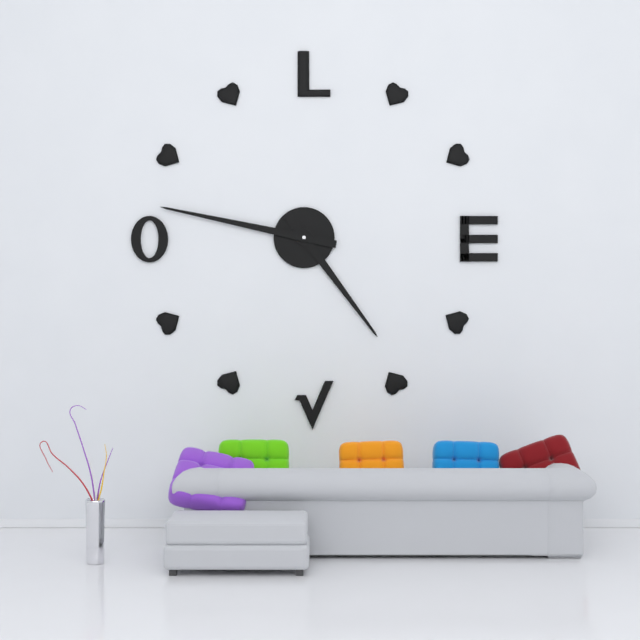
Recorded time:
h=4 m=47
